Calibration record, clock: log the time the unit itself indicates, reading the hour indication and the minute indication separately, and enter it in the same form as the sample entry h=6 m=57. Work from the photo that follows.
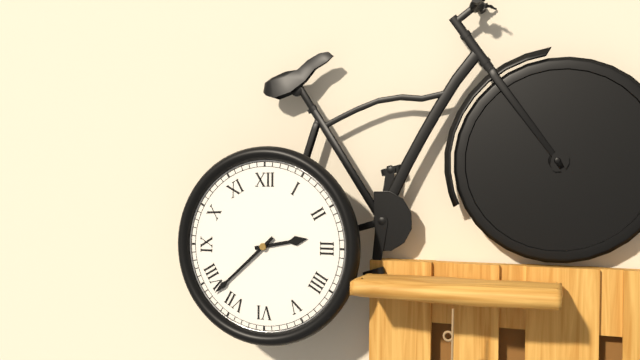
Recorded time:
h=2 m=38
